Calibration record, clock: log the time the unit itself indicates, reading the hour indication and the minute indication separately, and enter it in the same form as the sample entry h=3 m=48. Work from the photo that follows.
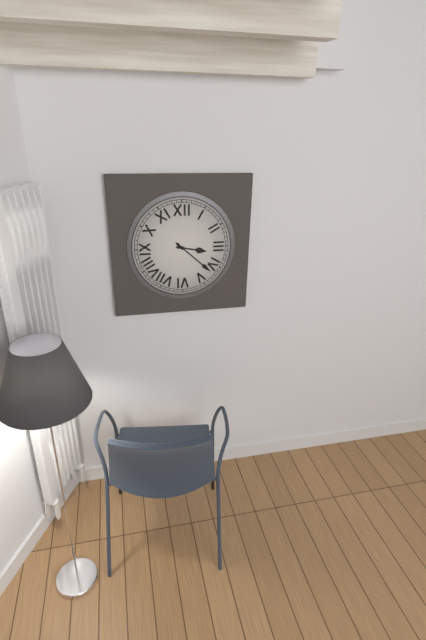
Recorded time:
h=3 m=22
